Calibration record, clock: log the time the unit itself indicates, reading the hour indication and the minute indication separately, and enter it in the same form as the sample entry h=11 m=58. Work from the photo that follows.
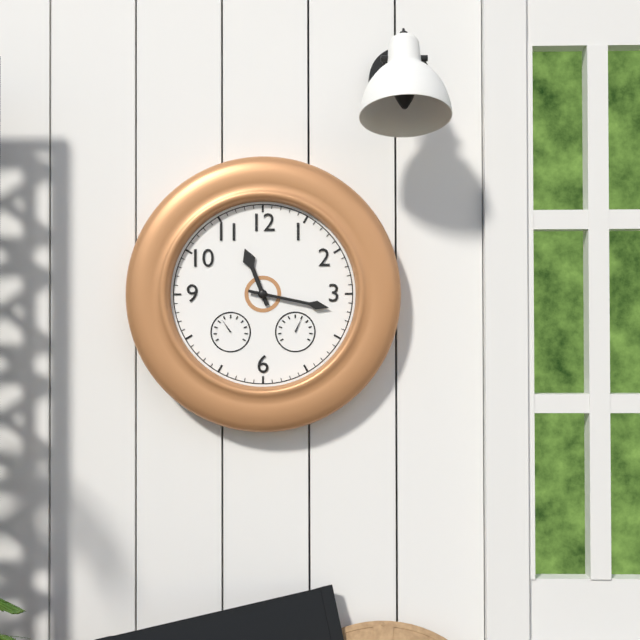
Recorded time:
h=11 m=17
